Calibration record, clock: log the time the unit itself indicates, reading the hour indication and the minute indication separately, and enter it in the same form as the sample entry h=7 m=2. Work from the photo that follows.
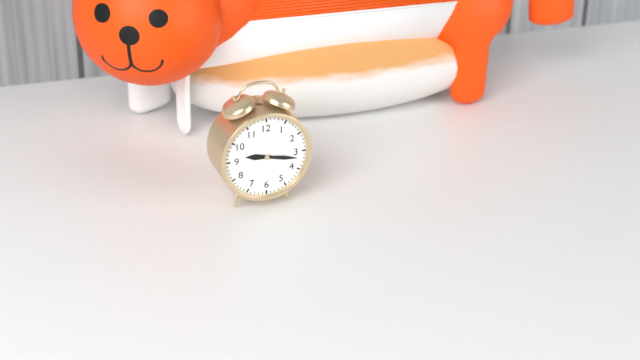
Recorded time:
h=9 m=17
